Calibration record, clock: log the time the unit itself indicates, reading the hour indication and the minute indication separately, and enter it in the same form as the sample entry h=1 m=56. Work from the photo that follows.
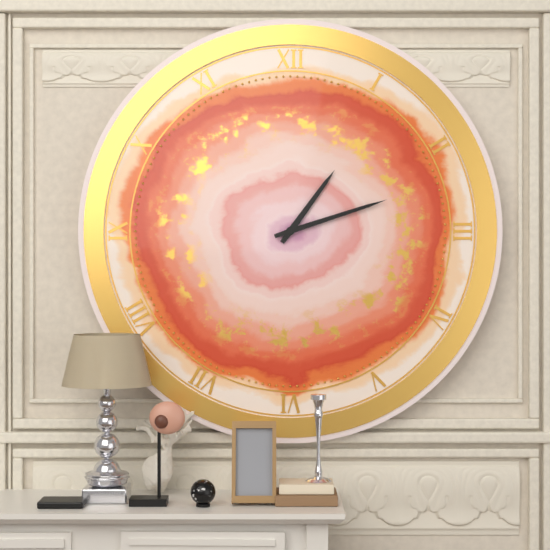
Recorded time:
h=1 m=12
